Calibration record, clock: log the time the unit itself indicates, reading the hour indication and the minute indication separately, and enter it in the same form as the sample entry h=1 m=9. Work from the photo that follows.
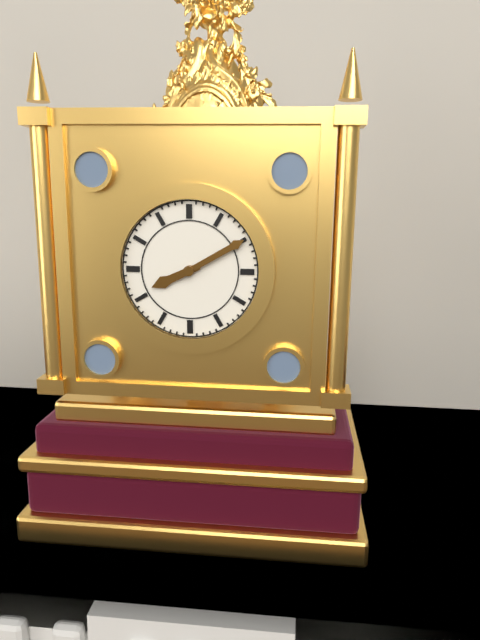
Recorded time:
h=8 m=10
